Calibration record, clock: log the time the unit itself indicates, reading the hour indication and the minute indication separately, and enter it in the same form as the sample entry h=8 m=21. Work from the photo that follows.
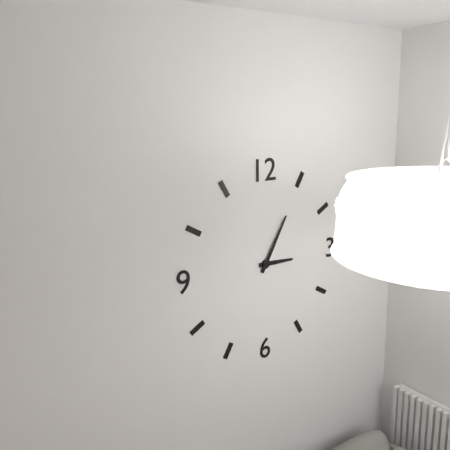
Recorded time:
h=3 m=5
